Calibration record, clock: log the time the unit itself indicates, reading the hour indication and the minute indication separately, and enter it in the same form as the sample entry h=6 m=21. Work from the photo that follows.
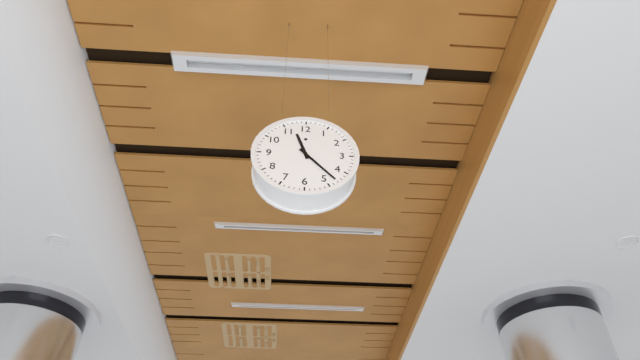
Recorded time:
h=11 m=23
